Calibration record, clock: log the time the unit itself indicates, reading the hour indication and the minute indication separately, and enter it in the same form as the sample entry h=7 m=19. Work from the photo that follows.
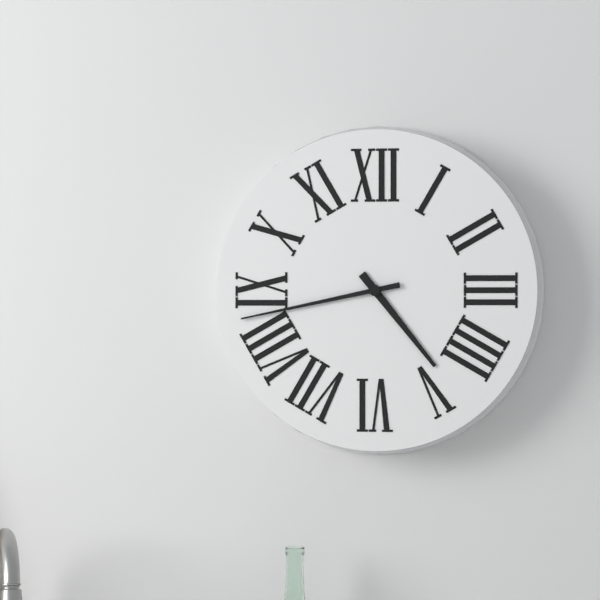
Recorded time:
h=4 m=43
